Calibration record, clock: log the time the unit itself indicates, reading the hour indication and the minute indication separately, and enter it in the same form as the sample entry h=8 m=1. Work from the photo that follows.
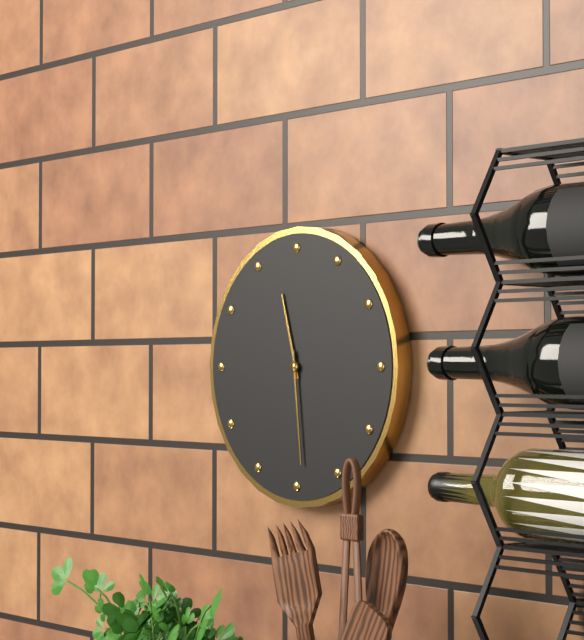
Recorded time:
h=11 m=29
